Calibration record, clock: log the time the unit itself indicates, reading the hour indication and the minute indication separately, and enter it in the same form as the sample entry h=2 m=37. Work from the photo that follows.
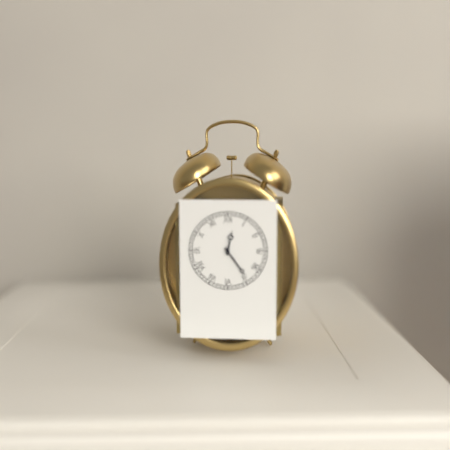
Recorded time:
h=12 m=24
